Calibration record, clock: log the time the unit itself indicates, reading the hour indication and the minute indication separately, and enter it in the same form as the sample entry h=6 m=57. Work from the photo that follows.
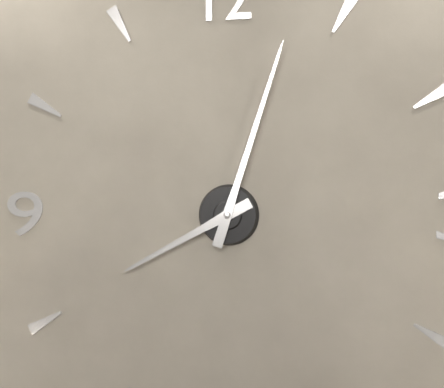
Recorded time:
h=8 m=3
